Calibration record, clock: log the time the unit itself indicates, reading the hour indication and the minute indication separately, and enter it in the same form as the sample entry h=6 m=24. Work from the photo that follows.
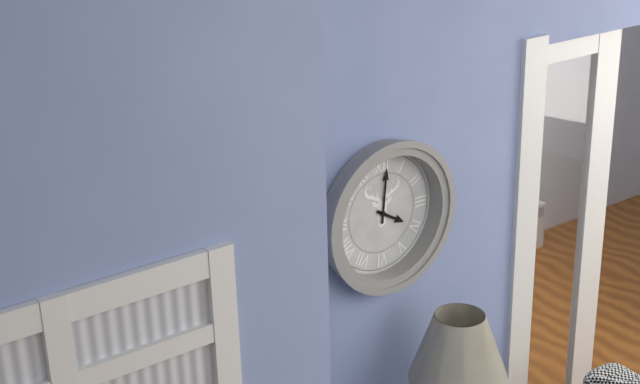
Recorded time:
h=4 m=1
